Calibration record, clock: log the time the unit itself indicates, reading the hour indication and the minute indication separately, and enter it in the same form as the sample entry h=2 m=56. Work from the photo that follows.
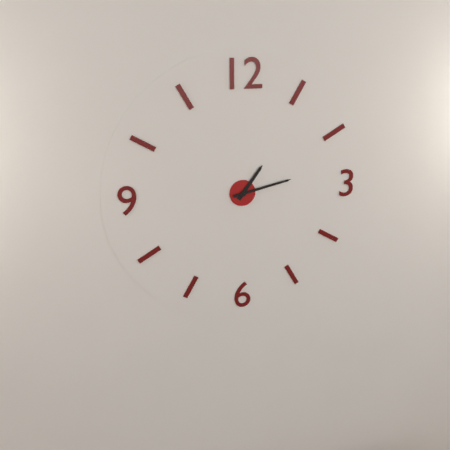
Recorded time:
h=1 m=13
